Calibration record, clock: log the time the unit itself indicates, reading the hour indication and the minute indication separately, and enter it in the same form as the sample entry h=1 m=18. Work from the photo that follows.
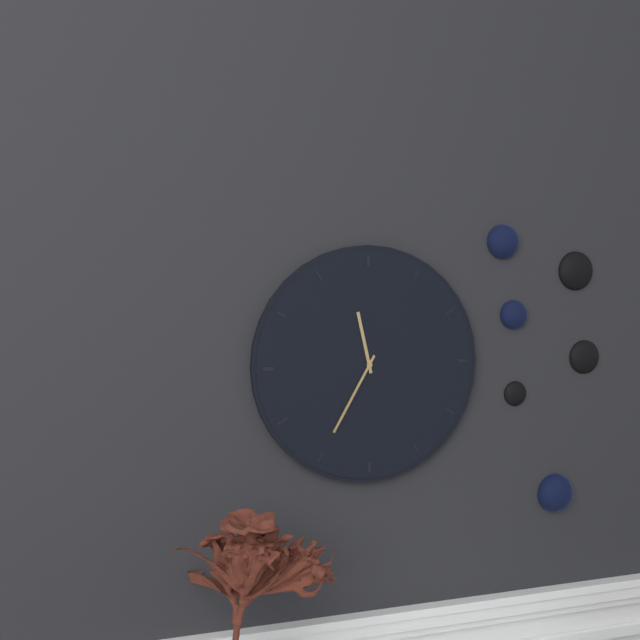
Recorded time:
h=11 m=35
